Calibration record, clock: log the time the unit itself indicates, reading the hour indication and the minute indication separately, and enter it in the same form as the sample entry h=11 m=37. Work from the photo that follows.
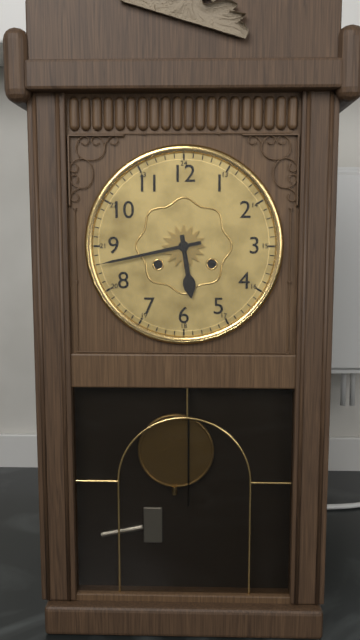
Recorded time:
h=5 m=43
